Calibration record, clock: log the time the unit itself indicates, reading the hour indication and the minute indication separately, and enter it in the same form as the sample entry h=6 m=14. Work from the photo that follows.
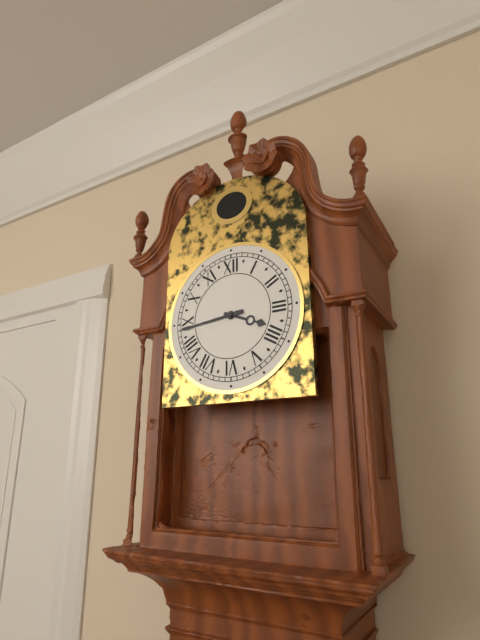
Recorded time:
h=3 m=44
